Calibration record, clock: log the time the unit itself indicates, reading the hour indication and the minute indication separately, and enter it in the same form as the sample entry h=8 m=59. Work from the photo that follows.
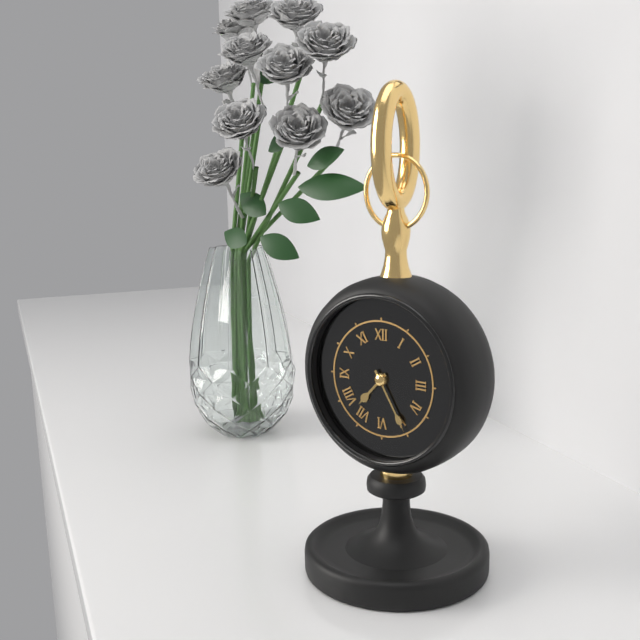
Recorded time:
h=7 m=25
